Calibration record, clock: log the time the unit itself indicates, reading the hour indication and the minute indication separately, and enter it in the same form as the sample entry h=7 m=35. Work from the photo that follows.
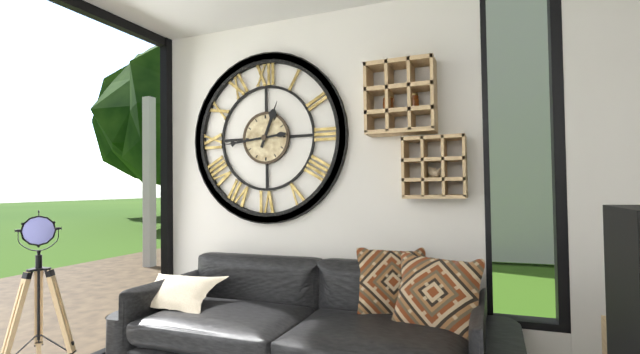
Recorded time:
h=12 m=44
